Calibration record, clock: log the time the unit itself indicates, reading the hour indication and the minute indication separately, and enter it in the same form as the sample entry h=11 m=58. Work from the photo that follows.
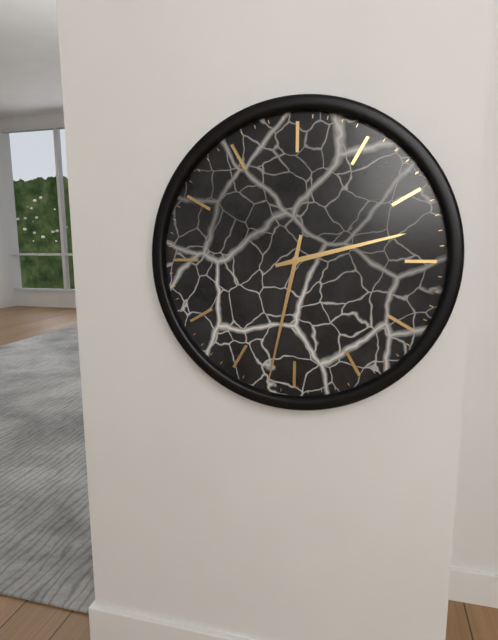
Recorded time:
h=2 m=32
